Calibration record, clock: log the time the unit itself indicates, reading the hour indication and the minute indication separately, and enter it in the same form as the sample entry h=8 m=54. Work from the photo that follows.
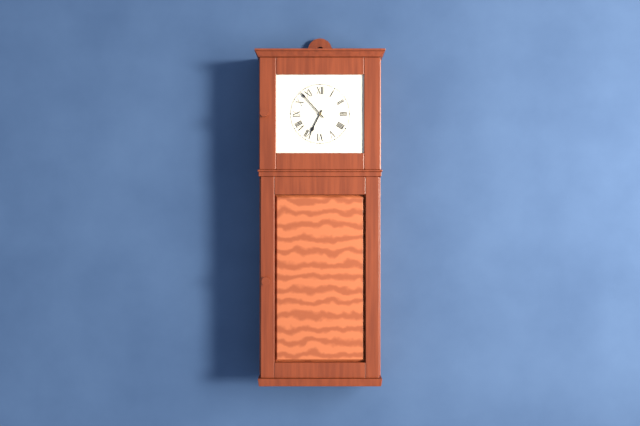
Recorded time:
h=6 m=53
